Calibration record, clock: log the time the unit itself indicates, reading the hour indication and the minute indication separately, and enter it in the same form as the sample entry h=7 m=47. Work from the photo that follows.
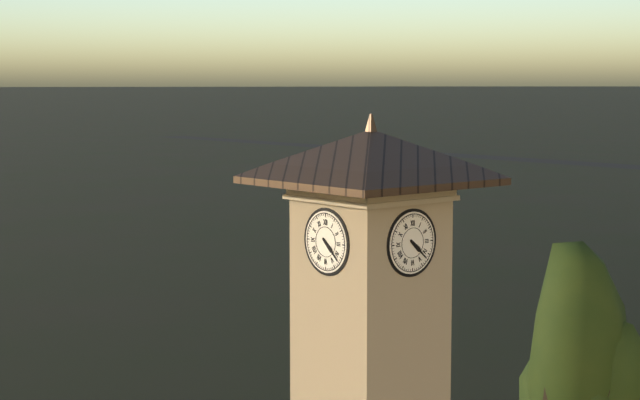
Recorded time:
h=4 m=22
